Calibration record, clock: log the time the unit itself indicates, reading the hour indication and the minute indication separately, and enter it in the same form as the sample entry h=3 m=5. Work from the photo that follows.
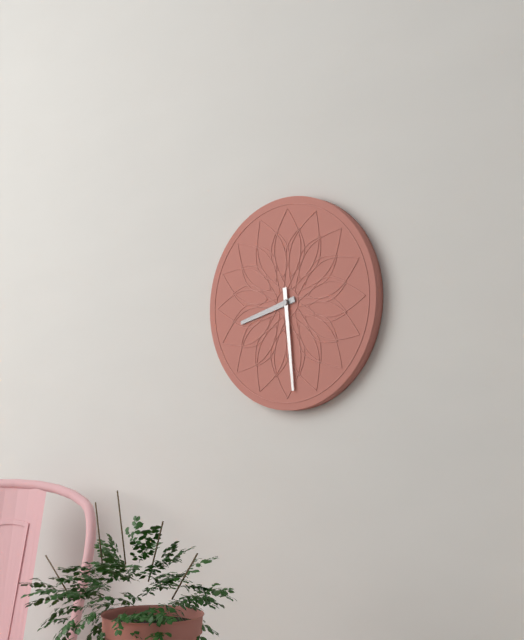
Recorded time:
h=8 m=29
